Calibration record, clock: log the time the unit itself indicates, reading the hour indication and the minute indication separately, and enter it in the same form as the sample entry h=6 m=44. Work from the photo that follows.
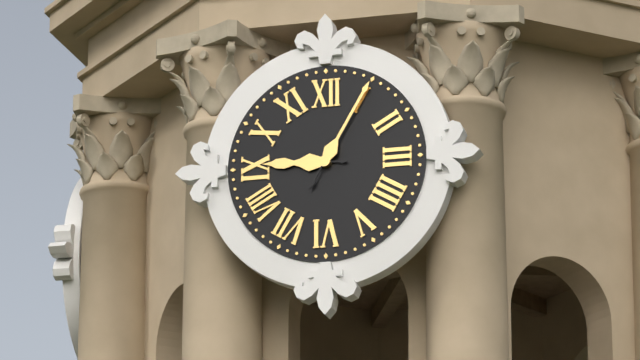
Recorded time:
h=9 m=5
